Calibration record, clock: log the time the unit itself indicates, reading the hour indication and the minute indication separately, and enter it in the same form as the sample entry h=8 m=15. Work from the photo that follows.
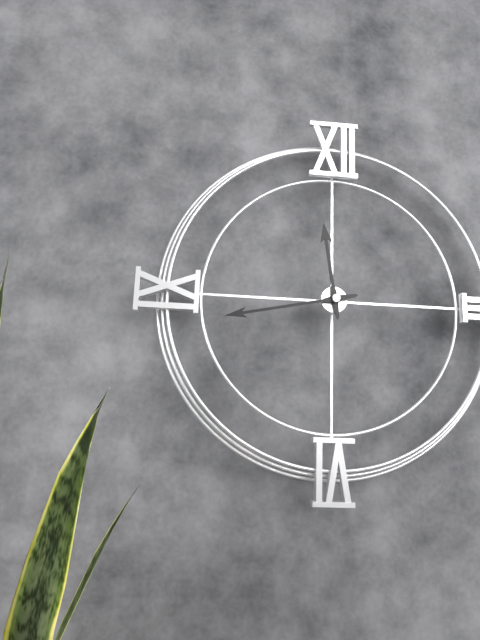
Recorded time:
h=11 m=43
